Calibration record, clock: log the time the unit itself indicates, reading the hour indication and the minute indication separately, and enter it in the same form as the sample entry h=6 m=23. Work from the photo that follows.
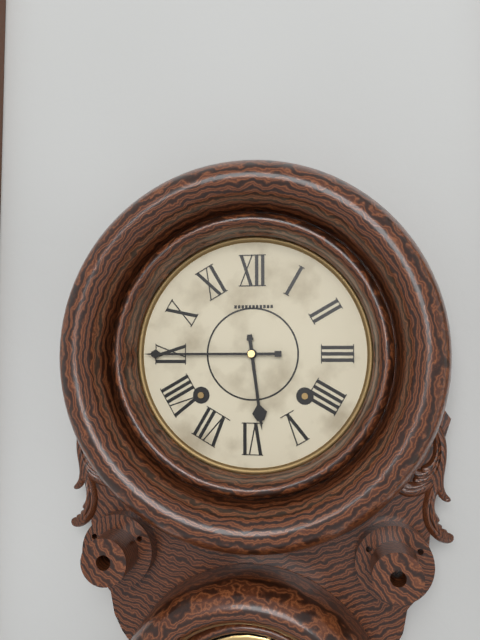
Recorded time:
h=5 m=45
